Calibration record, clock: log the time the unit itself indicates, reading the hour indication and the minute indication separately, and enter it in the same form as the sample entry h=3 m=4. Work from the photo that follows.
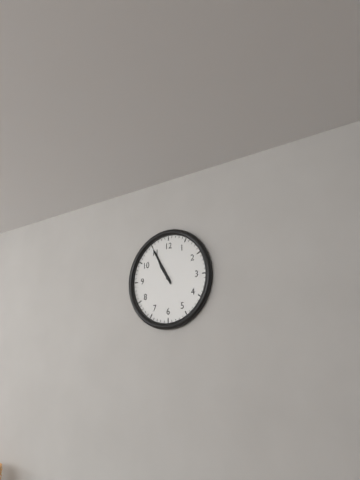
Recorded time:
h=10 m=55
